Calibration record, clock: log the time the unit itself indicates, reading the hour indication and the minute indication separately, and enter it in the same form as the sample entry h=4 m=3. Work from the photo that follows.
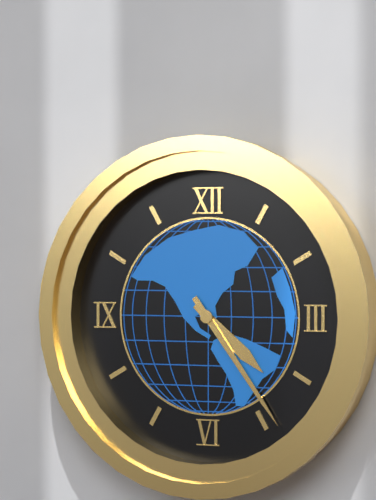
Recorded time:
h=4 m=24
